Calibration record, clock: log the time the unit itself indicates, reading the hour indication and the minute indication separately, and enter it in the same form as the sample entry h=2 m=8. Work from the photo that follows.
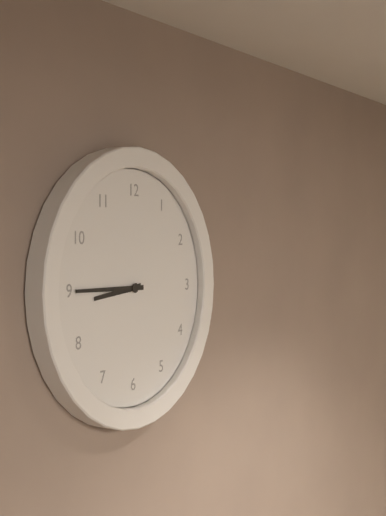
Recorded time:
h=8 m=45
